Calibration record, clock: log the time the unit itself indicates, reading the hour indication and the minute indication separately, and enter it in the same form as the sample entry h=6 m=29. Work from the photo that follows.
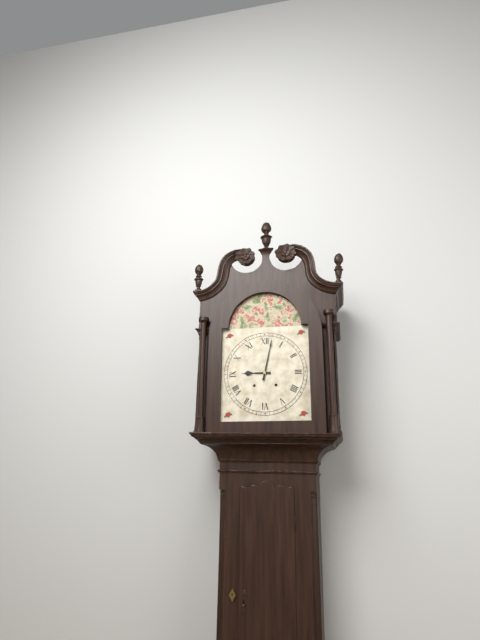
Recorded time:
h=9 m=2
